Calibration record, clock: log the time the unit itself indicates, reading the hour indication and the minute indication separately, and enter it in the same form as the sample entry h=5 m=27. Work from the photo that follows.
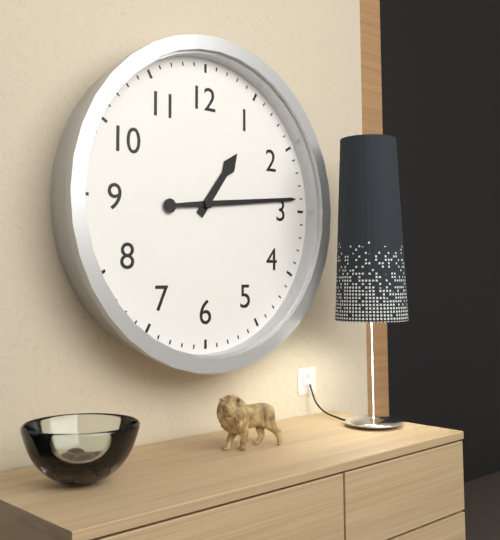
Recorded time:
h=1 m=14
